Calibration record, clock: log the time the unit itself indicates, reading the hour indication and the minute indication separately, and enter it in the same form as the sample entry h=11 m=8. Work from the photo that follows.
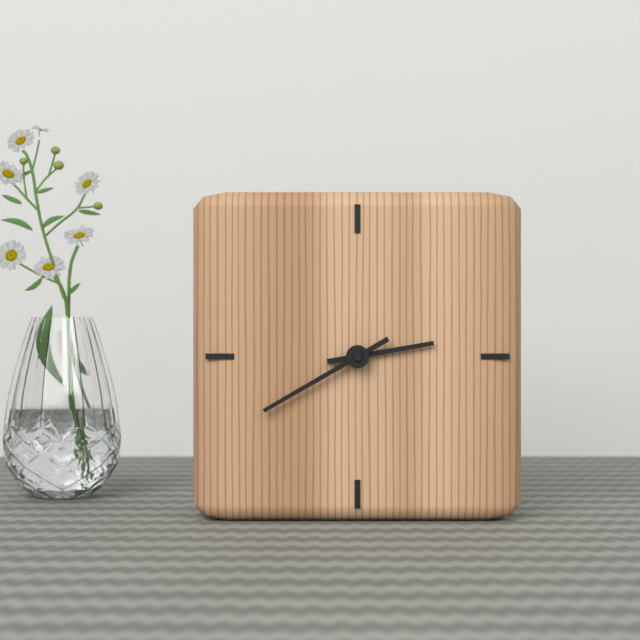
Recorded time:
h=2 m=40
